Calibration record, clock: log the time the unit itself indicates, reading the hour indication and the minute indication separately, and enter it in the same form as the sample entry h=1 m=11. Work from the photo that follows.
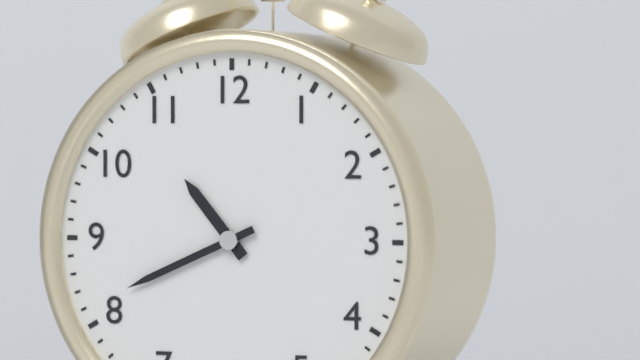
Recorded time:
h=10 m=41
